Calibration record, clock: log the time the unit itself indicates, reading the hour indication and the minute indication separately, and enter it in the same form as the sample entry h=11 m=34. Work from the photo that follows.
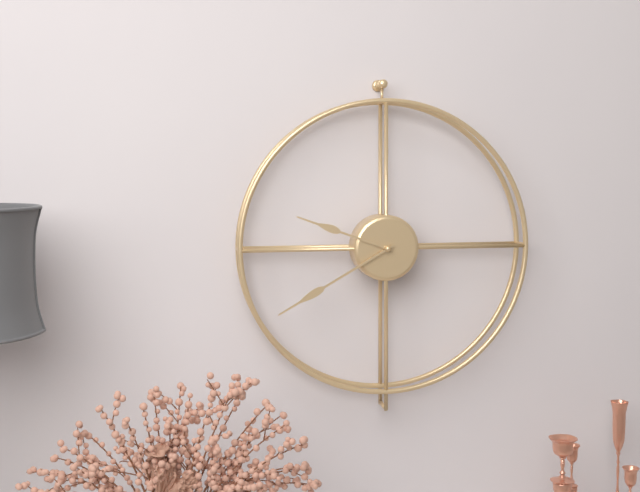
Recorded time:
h=9 m=40
